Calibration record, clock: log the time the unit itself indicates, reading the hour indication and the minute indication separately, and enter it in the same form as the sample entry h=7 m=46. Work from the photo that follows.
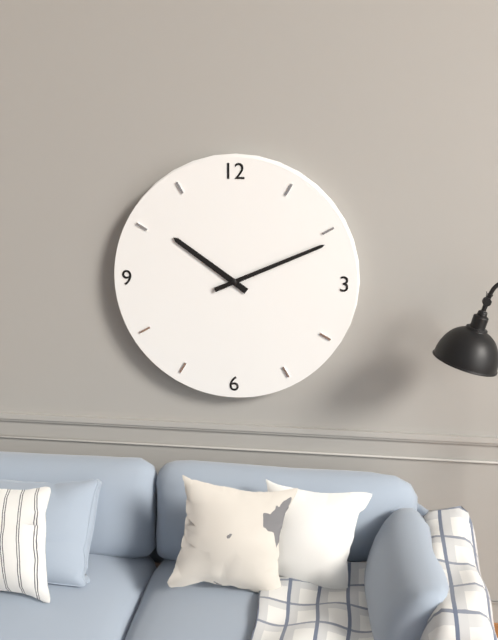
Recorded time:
h=10 m=11
